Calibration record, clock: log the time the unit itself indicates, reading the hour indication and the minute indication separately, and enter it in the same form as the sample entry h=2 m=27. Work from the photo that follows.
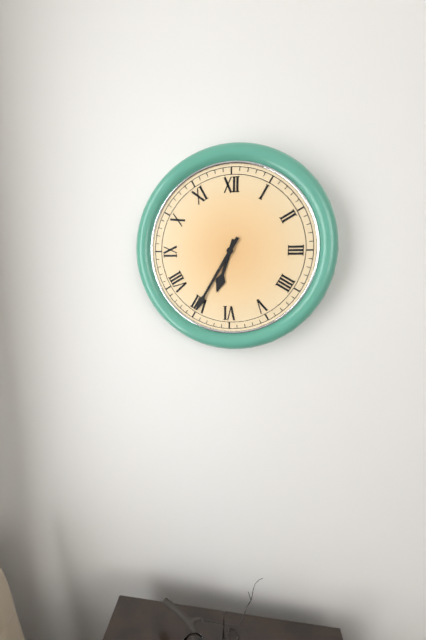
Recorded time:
h=6 m=35
